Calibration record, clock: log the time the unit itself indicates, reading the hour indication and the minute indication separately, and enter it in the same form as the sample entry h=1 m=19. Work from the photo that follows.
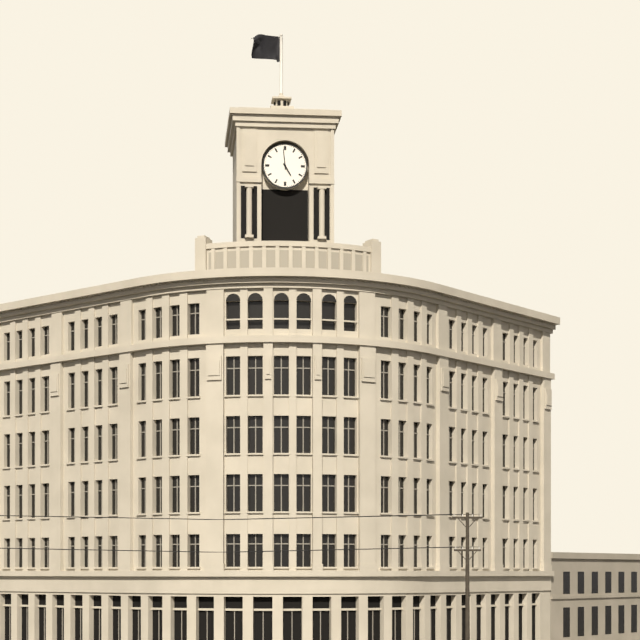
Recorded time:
h=4 m=59
